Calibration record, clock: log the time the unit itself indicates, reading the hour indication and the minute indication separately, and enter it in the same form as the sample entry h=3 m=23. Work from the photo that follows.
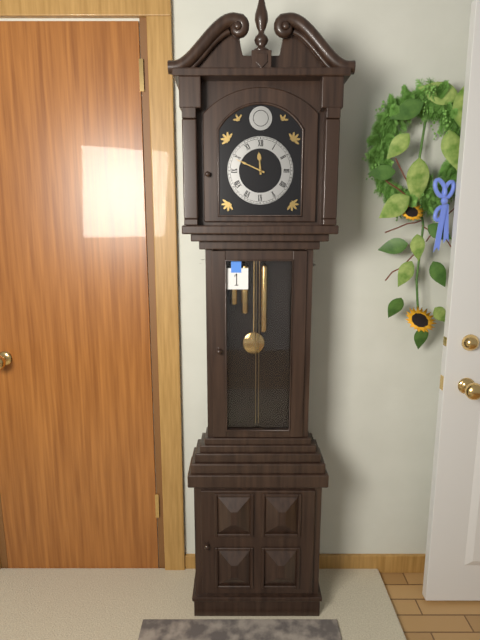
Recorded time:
h=11 m=49
